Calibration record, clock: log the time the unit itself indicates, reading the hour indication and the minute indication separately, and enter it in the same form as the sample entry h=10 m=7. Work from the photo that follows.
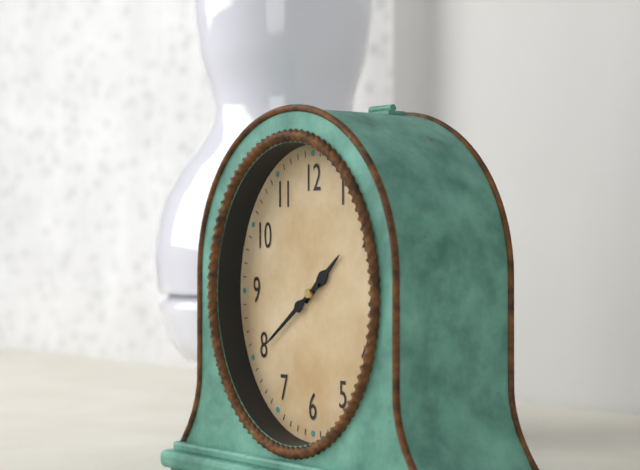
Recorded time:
h=1 m=39
